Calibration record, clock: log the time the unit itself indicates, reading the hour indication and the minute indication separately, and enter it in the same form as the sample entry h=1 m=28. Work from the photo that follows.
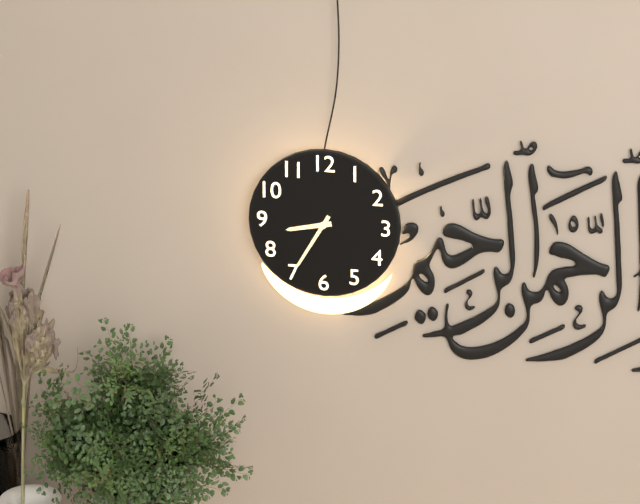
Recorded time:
h=8 m=35
